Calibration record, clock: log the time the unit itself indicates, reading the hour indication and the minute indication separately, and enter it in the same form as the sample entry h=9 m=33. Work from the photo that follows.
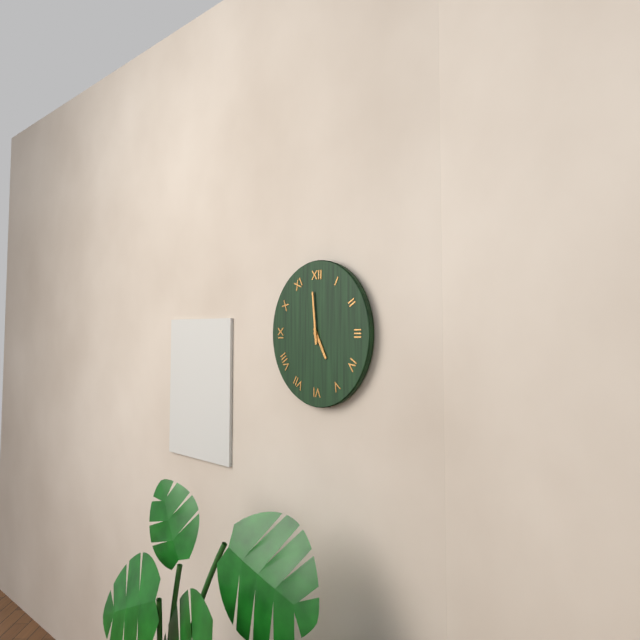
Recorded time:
h=4 m=59
